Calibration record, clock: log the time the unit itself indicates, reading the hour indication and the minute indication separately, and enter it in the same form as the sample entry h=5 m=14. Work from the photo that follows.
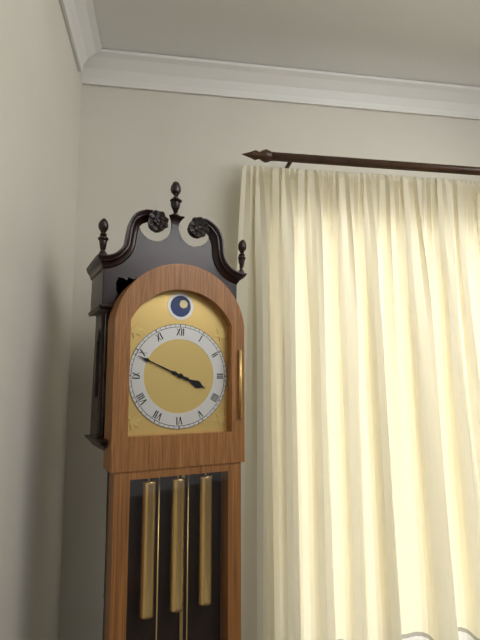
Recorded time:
h=3 m=49
